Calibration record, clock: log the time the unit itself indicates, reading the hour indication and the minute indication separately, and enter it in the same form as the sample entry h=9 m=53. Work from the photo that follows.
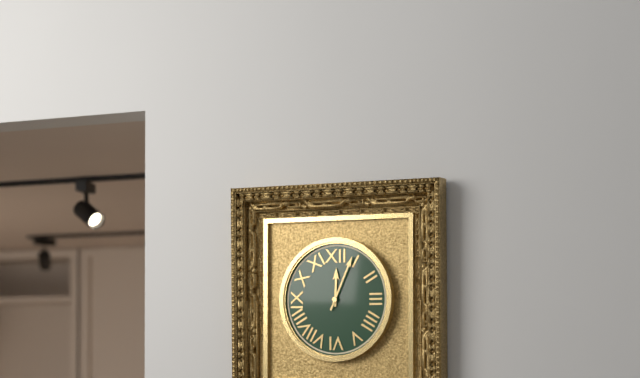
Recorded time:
h=12 m=4
